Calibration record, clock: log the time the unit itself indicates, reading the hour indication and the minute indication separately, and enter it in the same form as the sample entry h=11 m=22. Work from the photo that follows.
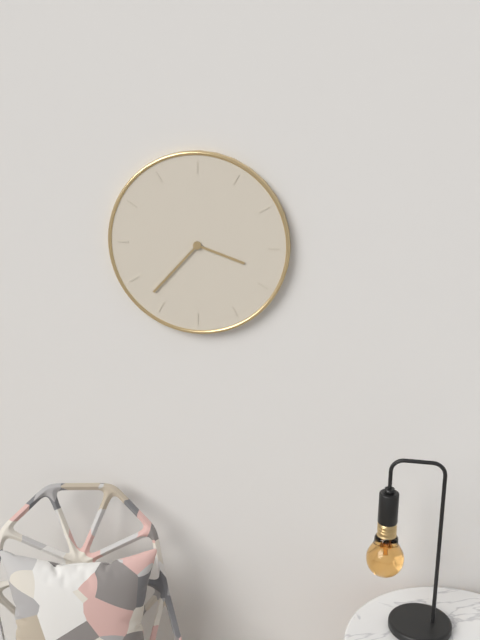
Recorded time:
h=3 m=37
